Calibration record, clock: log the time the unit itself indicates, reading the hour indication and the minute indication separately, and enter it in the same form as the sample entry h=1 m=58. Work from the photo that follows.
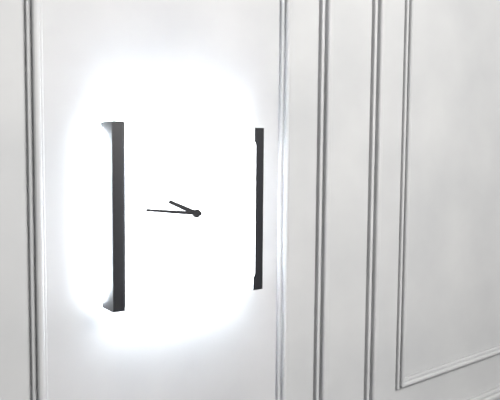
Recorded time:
h=9 m=46
